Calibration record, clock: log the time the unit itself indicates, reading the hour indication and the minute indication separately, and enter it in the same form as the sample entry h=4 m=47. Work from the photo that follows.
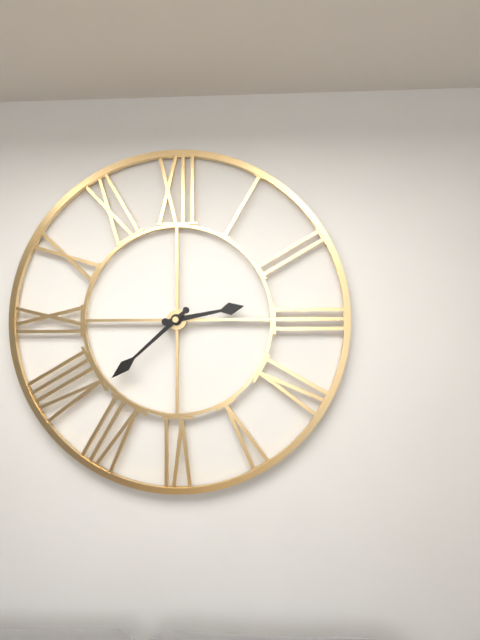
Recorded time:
h=2 m=38
